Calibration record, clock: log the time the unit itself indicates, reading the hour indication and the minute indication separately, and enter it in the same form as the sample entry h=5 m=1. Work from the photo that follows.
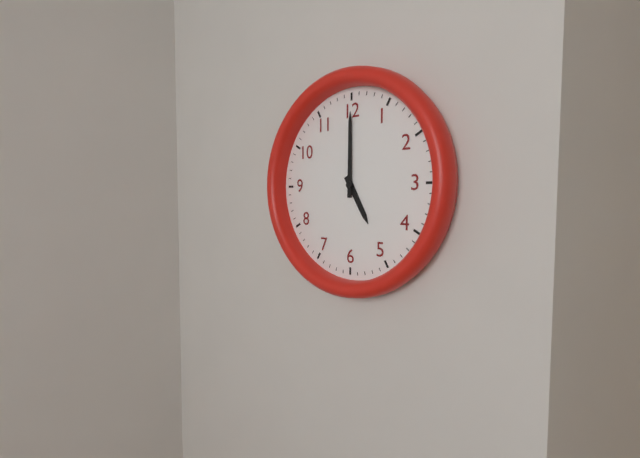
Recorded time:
h=5 m=0
